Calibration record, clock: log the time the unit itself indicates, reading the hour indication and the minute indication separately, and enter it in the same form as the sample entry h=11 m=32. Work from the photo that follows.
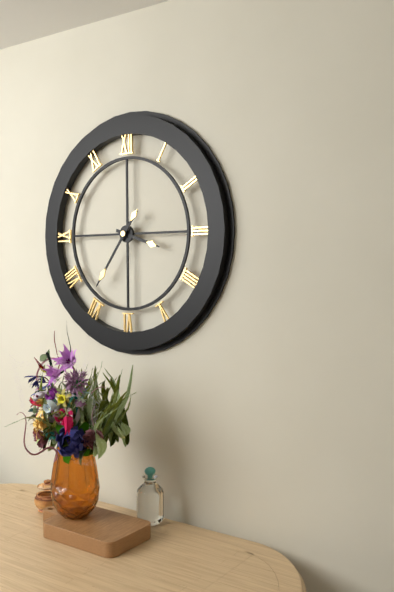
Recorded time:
h=3 m=36
